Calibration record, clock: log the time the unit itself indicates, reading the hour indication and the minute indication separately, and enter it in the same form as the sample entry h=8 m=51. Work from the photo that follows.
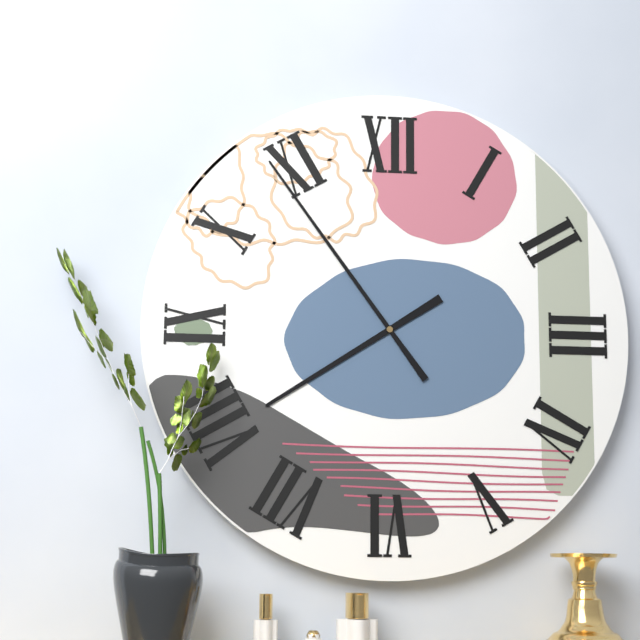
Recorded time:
h=7 m=54
